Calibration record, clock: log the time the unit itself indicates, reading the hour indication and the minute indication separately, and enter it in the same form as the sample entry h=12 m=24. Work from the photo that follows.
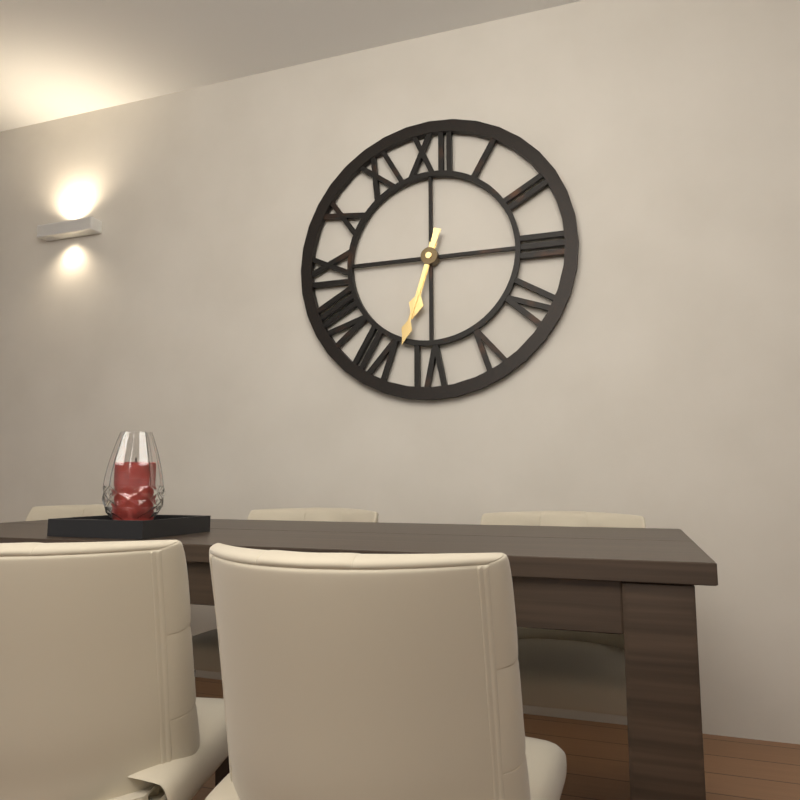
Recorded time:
h=6 m=33
